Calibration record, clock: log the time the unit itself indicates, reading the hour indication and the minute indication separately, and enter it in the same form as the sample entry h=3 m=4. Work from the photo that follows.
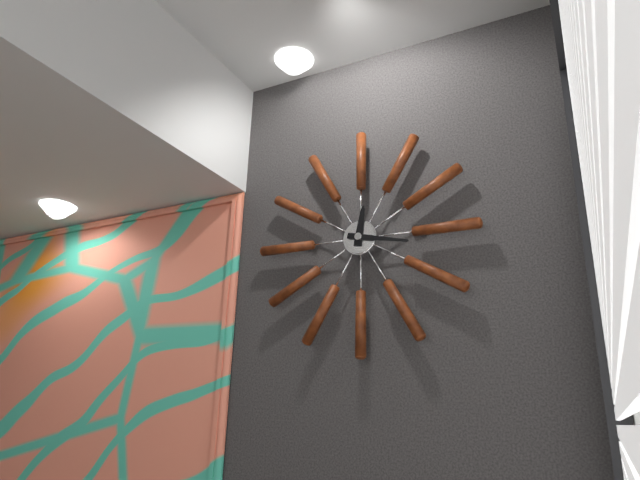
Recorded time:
h=12 m=17
